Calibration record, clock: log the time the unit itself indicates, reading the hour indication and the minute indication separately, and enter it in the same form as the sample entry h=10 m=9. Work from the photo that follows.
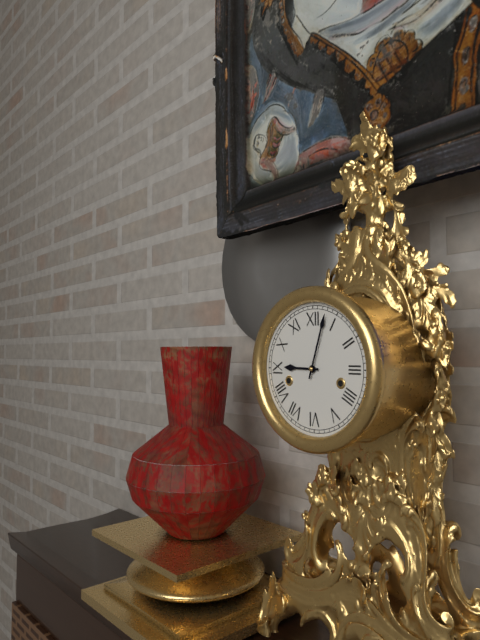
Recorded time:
h=9 m=3
